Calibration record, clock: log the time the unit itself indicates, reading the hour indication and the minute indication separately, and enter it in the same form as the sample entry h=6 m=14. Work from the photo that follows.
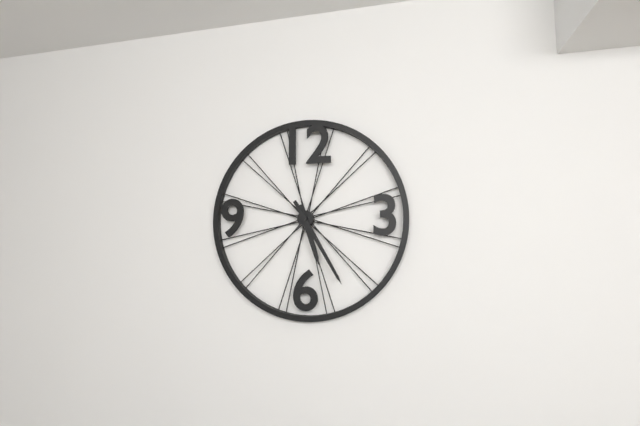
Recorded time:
h=5 m=25
